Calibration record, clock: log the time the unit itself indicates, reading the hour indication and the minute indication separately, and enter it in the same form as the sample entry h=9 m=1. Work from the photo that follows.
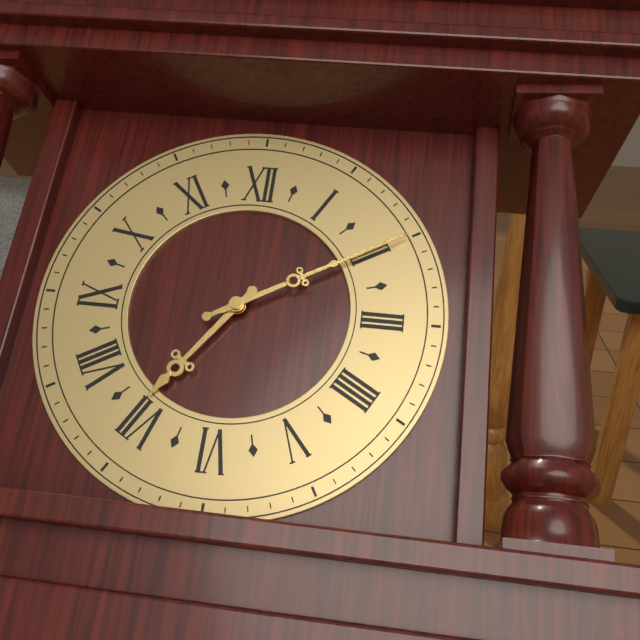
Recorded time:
h=7 m=10
